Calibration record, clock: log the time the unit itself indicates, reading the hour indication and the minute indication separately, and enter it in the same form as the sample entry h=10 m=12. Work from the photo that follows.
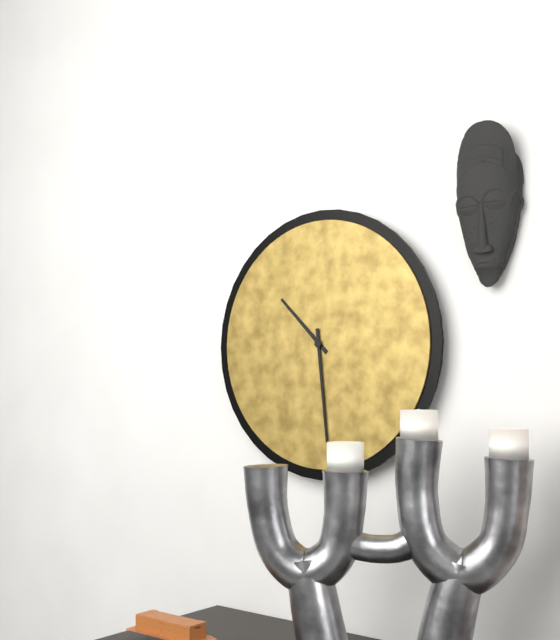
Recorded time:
h=10 m=29
